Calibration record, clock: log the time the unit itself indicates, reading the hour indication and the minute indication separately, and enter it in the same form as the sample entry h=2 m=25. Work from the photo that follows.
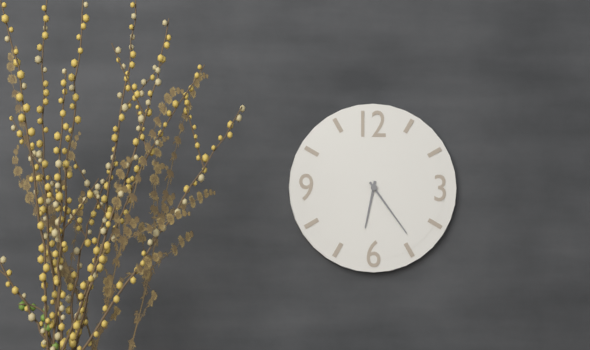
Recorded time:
h=6 m=24
